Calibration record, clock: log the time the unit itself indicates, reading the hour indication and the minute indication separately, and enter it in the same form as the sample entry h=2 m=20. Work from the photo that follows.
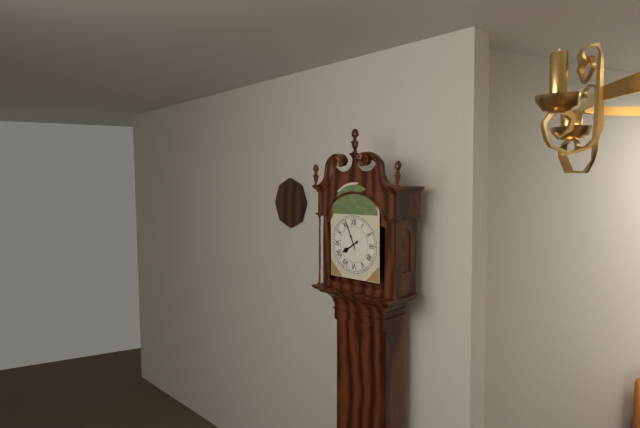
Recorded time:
h=7 m=56
